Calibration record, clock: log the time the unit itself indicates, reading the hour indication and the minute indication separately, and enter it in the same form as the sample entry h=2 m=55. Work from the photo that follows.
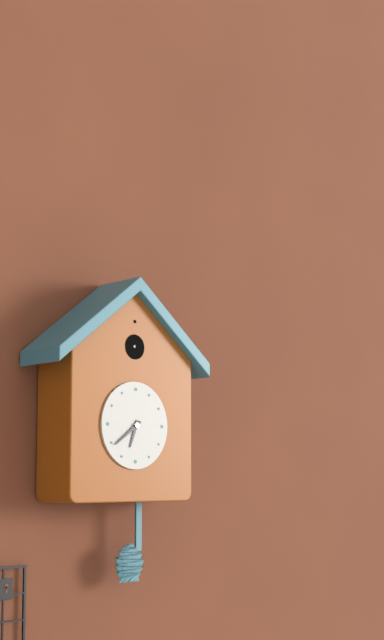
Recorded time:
h=6 m=39
